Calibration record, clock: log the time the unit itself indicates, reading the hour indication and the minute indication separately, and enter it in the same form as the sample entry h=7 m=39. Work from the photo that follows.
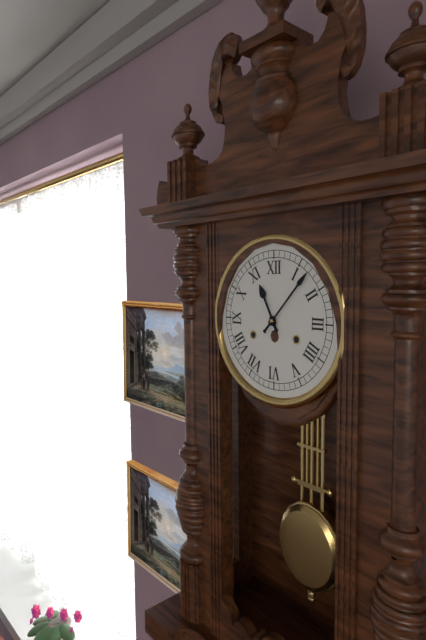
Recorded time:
h=11 m=7
